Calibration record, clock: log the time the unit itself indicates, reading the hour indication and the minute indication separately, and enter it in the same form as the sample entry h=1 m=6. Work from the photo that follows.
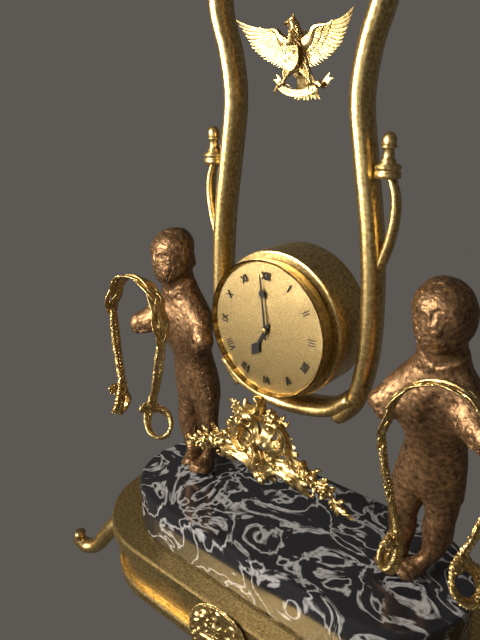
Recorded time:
h=6 m=59
